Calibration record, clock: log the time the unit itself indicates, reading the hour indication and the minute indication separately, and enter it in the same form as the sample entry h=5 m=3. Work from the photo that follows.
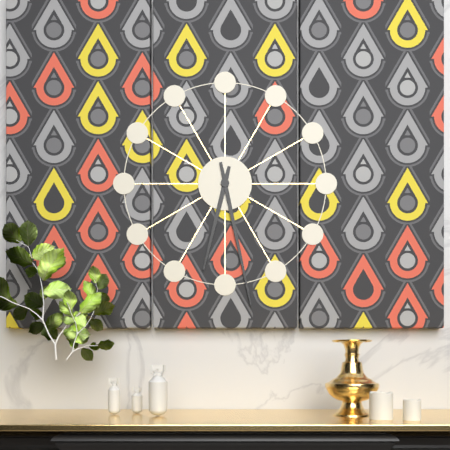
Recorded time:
h=6 m=28
